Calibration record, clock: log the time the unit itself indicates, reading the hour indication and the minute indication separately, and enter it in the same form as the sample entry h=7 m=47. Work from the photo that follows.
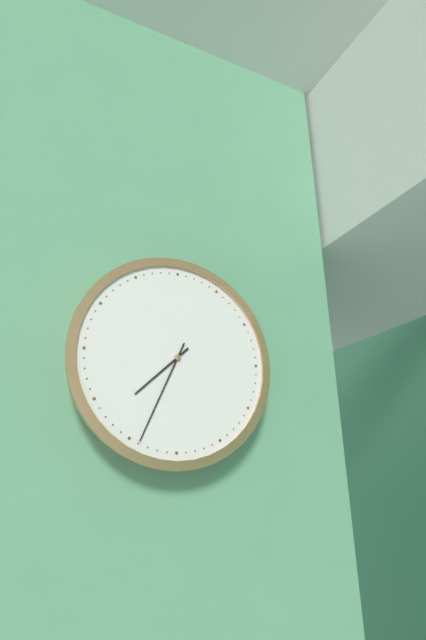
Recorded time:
h=7 m=34
